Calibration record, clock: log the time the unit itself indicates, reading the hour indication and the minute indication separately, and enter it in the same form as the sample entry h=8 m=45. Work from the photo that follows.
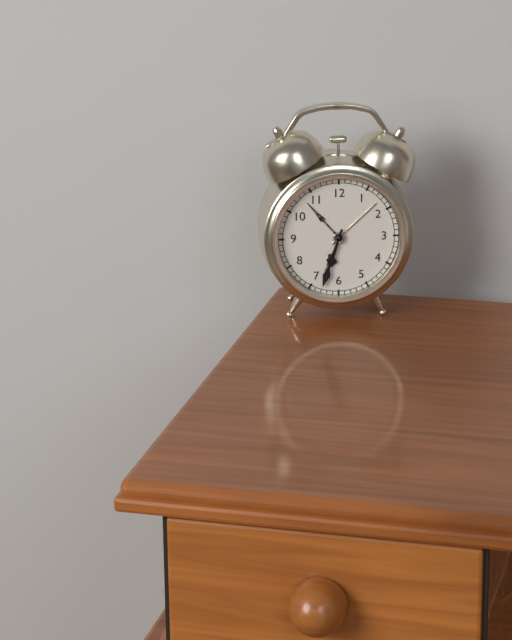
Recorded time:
h=6 m=33
